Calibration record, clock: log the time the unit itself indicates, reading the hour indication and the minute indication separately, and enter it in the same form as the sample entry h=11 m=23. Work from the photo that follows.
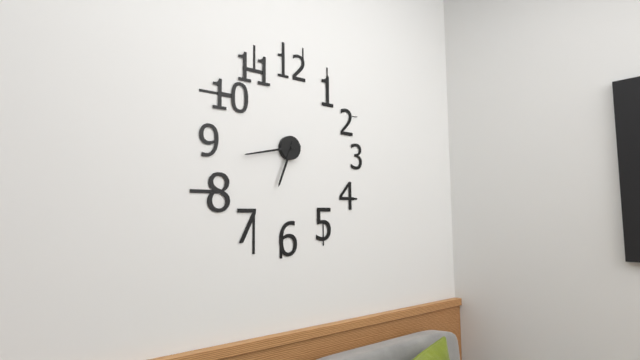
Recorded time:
h=6 m=43
